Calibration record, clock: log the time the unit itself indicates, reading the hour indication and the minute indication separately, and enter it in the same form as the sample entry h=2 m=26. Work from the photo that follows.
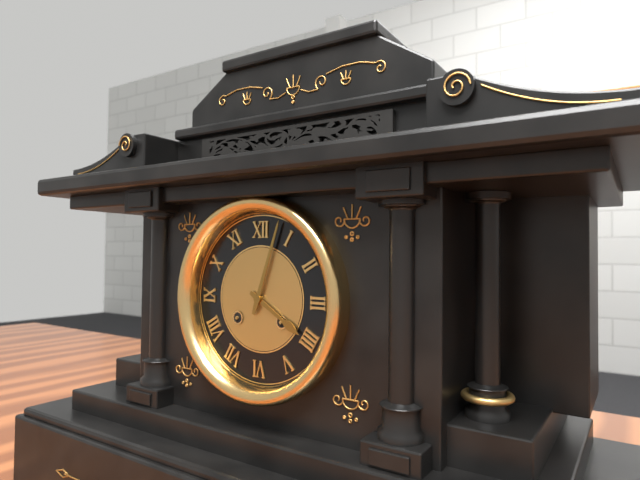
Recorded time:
h=4 m=3
